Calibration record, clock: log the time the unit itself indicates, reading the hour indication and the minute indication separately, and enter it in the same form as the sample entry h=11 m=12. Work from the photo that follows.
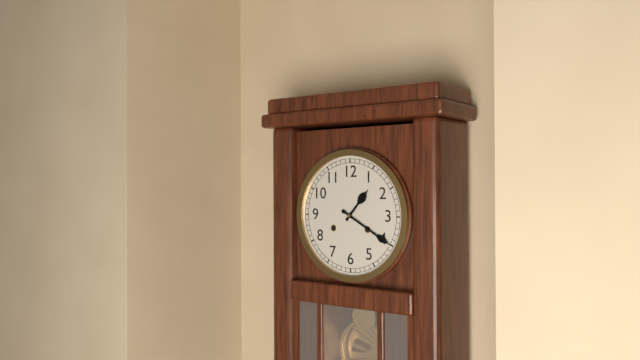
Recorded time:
h=1 m=20
